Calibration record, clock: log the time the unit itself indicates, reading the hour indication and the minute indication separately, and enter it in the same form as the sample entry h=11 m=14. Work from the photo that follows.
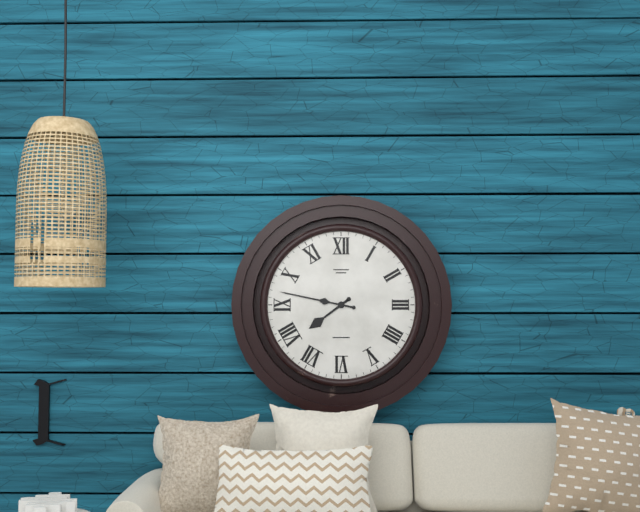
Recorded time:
h=7 m=47
